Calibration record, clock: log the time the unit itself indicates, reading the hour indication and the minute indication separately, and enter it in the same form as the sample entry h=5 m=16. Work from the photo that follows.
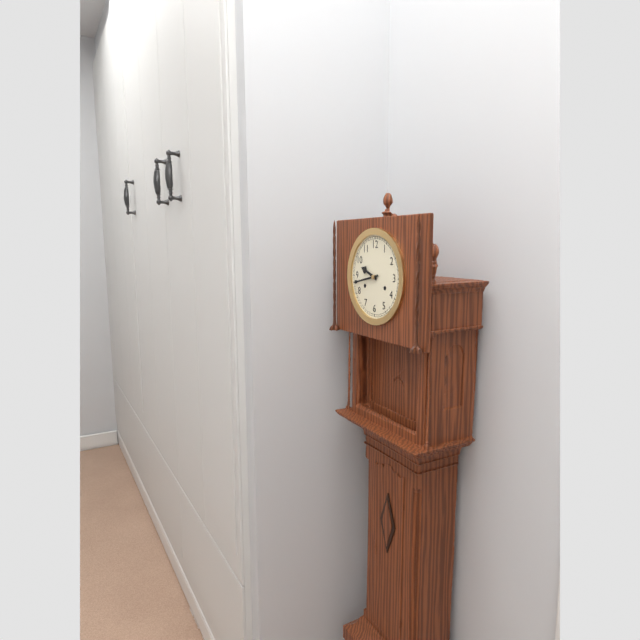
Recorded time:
h=9 m=43
